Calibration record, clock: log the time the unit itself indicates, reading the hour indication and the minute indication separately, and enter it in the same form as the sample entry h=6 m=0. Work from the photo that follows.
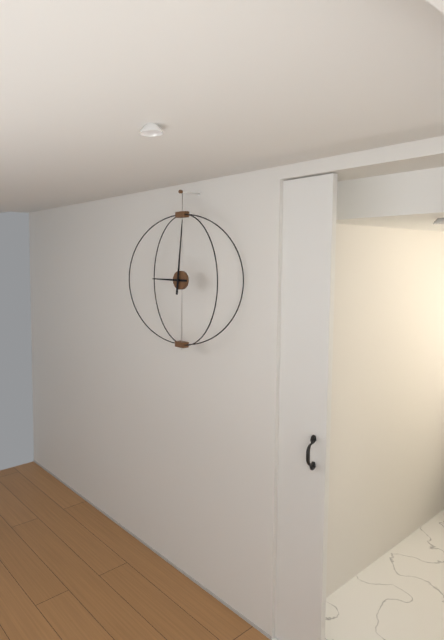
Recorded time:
h=9 m=1
